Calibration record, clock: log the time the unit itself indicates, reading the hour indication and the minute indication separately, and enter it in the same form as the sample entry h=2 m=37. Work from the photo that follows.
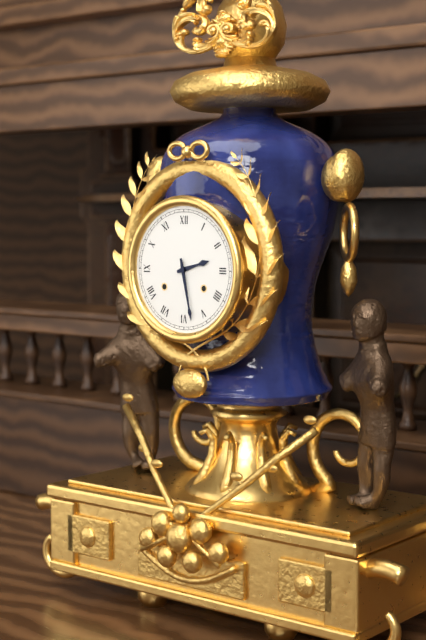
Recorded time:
h=2 m=28
